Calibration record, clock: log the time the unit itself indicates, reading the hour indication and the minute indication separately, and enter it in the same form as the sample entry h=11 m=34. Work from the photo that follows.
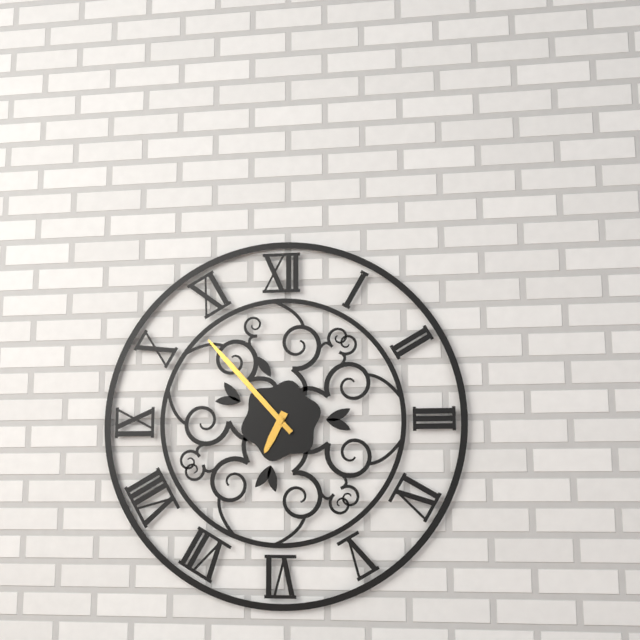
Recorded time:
h=6 m=53
